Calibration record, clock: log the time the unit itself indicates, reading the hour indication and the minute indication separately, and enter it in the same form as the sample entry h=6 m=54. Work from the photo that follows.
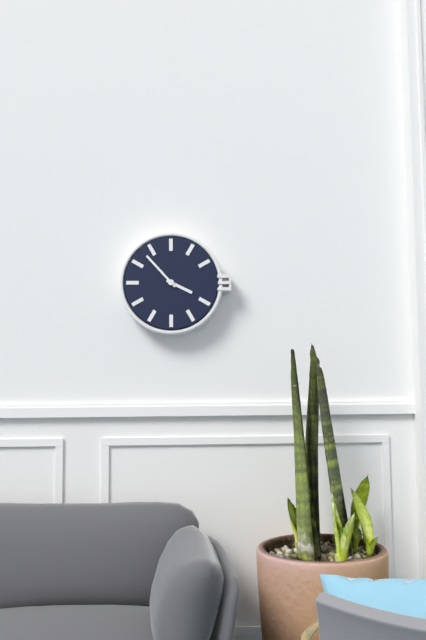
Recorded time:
h=3 m=53
